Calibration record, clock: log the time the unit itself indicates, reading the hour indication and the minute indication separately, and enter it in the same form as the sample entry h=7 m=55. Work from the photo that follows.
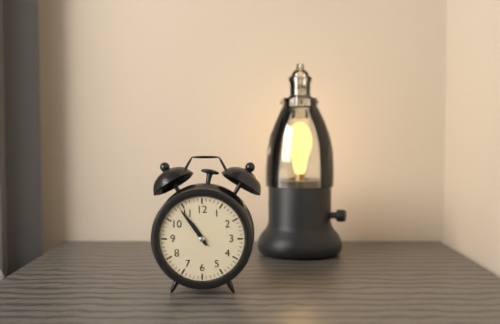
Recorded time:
h=10 m=54
